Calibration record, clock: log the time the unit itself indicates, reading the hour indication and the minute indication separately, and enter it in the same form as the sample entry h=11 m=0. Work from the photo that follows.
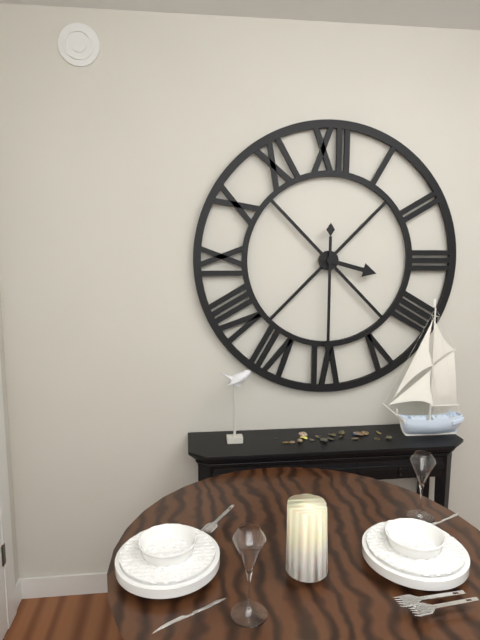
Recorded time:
h=3 m=30
